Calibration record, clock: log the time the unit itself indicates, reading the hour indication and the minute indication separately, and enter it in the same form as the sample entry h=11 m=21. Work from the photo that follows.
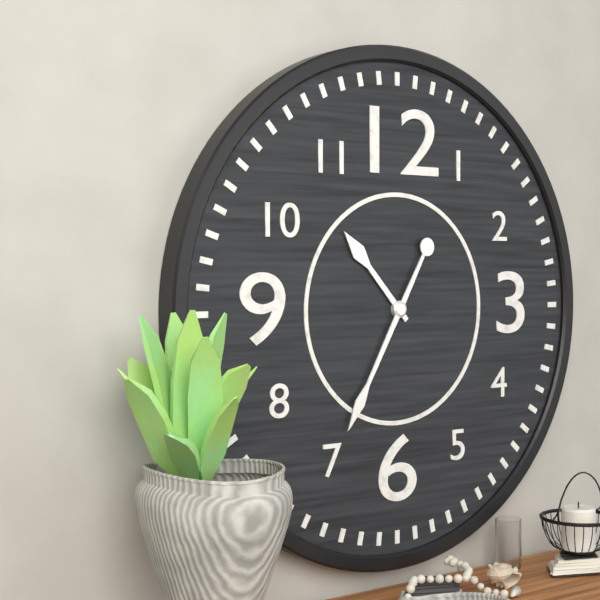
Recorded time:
h=10 m=35
